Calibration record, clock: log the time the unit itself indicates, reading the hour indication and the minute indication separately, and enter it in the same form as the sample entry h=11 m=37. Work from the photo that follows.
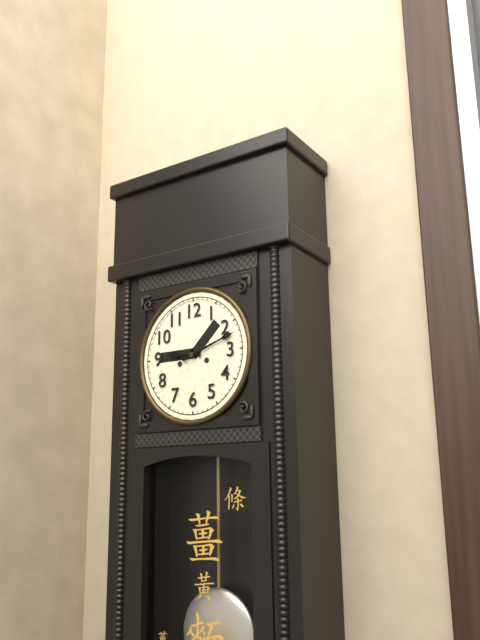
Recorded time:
h=9 m=12
